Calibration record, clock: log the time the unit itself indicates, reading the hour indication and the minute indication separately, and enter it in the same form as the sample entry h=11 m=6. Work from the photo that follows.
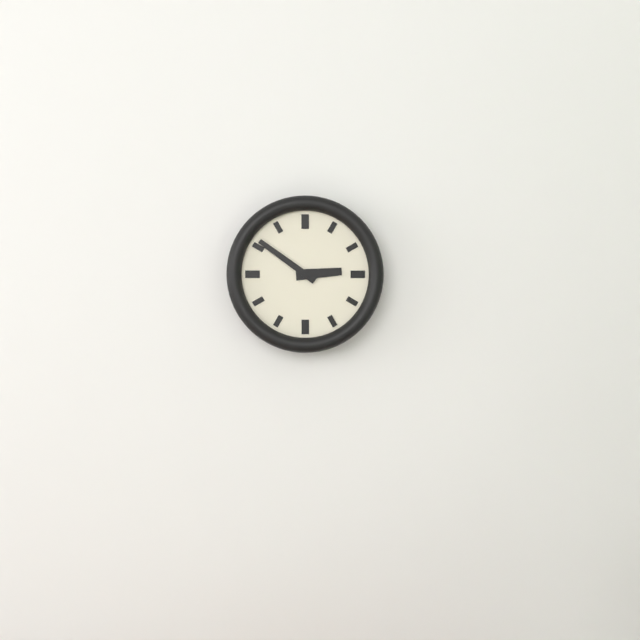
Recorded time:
h=2 m=51
